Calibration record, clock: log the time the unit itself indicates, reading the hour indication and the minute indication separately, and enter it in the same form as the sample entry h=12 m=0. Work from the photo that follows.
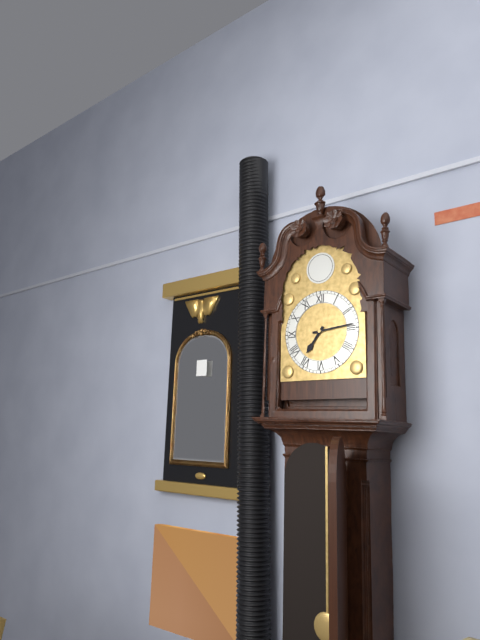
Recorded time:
h=7 m=14
